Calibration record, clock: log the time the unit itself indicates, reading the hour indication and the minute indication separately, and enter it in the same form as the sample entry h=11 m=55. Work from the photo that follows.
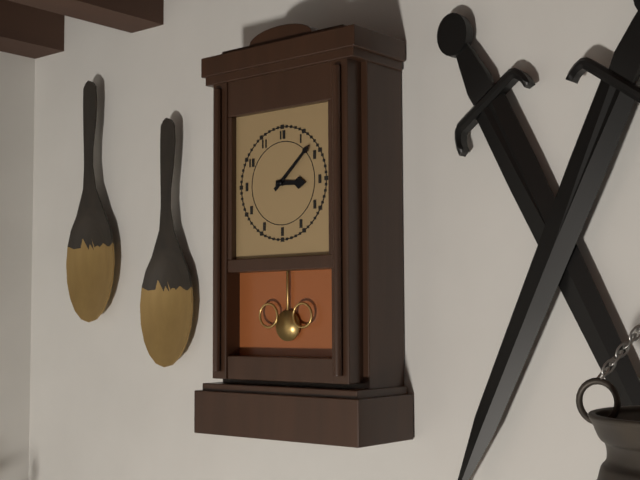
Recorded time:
h=3 m=8
